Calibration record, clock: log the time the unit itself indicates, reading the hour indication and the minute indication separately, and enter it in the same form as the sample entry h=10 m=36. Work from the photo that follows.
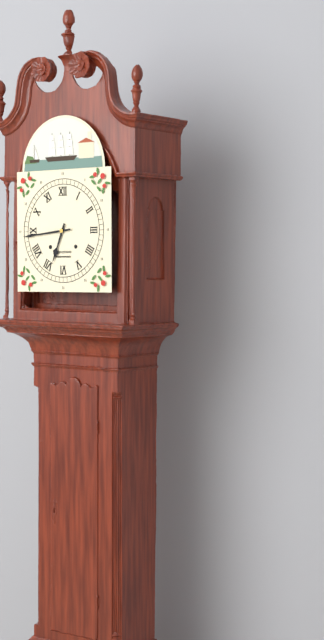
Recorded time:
h=6 m=44
